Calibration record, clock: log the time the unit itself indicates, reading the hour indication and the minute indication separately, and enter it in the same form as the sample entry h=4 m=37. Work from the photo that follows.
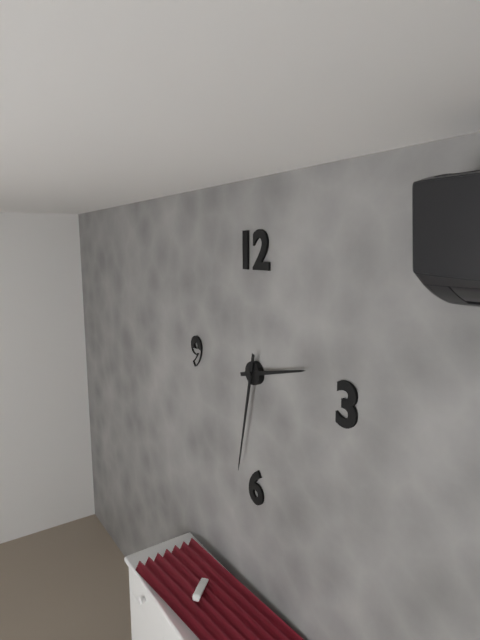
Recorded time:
h=2 m=32
